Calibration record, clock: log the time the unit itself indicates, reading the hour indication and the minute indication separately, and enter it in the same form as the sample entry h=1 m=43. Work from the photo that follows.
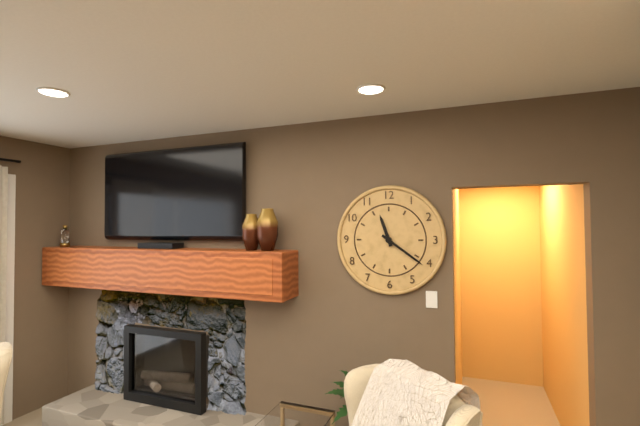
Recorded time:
h=11 m=21
